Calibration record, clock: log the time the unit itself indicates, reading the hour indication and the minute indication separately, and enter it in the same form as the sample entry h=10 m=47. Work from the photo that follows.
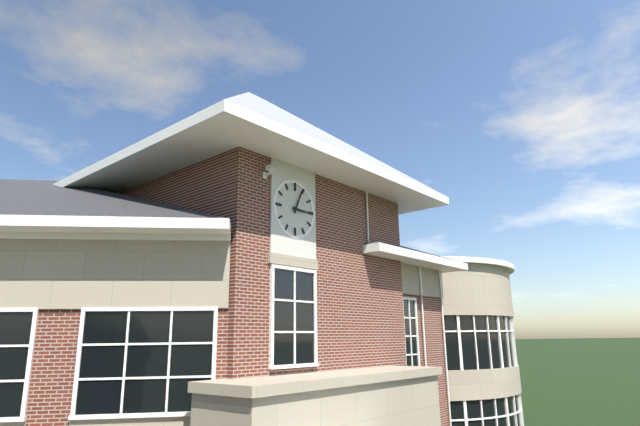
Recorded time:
h=3 m=4
